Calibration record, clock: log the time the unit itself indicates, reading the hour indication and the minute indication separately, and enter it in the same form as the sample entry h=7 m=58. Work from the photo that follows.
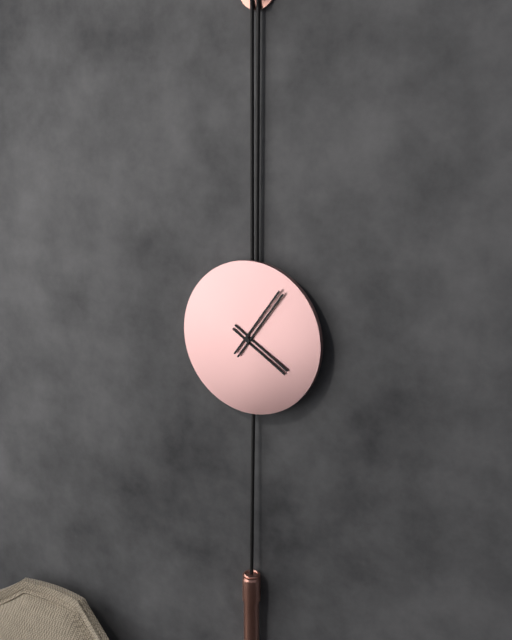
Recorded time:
h=4 m=6
